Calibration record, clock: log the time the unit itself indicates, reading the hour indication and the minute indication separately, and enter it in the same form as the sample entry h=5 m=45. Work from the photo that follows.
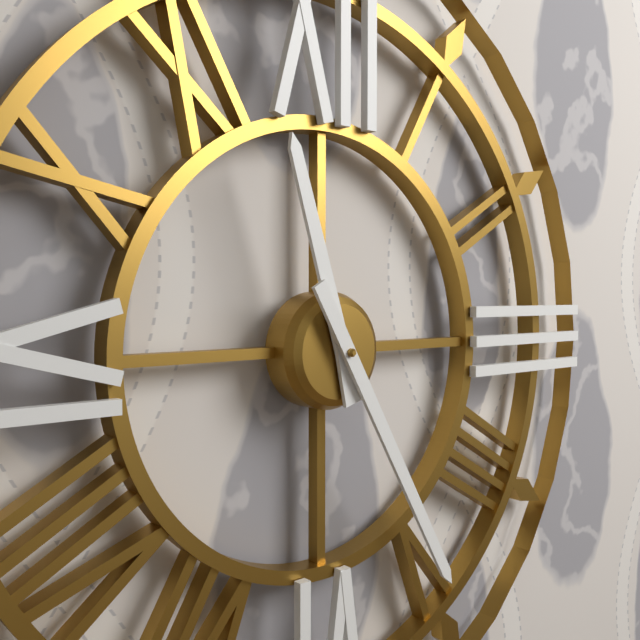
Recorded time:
h=11 m=25
